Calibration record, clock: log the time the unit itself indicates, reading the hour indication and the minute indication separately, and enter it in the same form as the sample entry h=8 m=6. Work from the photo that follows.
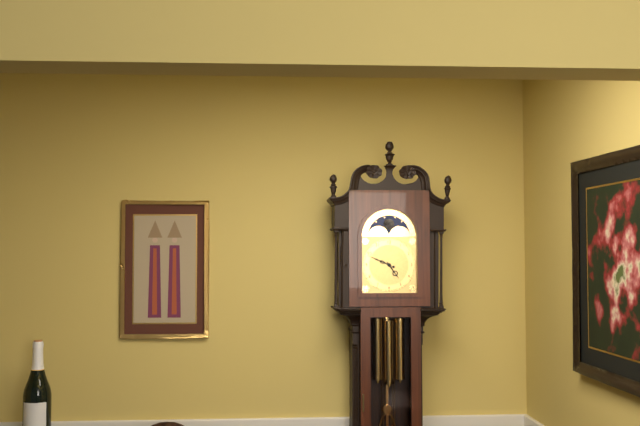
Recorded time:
h=4 m=49
